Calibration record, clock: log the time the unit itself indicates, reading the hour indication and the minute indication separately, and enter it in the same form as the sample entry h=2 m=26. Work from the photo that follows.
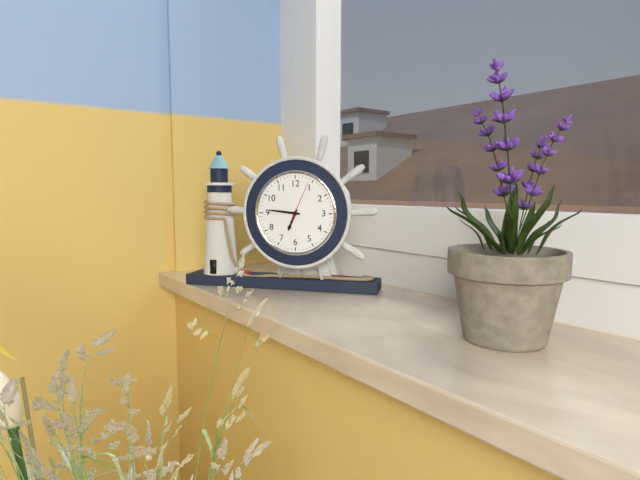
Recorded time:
h=6 m=46
